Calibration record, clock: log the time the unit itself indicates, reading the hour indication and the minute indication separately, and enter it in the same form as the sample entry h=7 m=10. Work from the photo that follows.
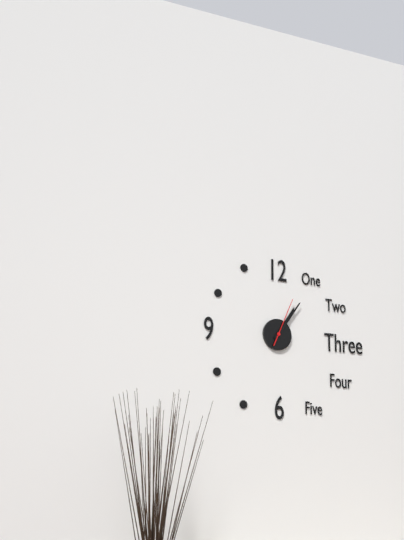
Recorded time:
h=1 m=6
